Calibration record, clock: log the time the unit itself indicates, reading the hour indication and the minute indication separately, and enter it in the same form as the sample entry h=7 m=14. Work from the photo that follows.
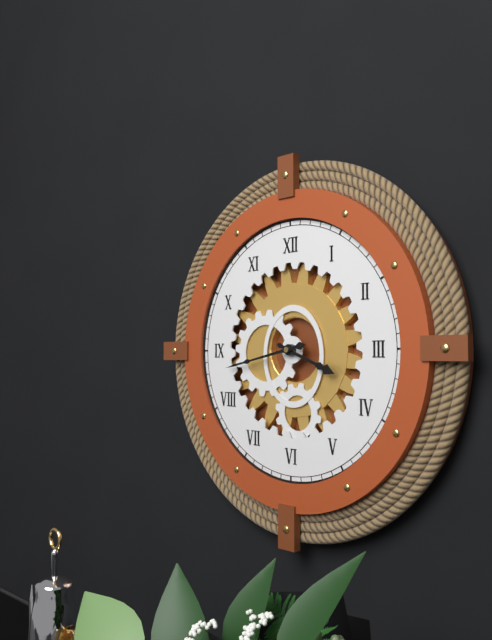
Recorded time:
h=3 m=43
